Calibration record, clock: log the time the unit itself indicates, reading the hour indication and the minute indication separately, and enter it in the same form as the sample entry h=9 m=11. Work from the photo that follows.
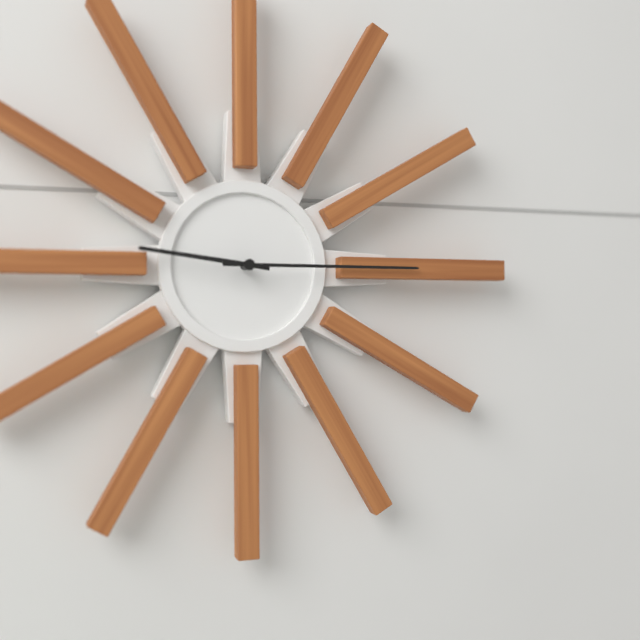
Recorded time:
h=9 m=15
